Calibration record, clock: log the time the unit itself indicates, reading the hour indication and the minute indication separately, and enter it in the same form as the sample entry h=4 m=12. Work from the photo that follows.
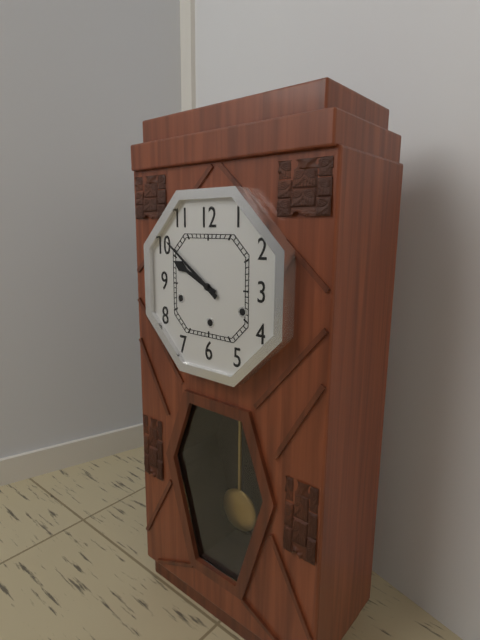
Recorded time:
h=9 m=51
